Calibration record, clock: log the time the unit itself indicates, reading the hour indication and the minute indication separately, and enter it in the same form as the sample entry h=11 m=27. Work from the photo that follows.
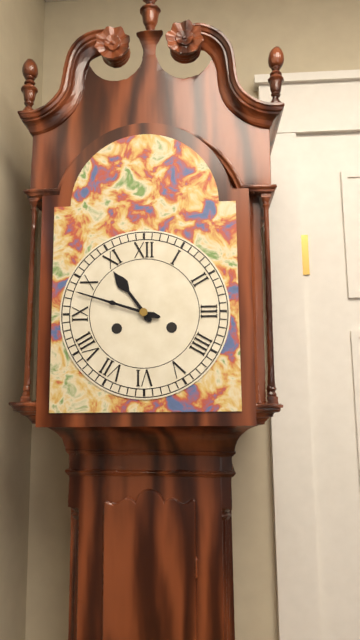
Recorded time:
h=10 m=48
